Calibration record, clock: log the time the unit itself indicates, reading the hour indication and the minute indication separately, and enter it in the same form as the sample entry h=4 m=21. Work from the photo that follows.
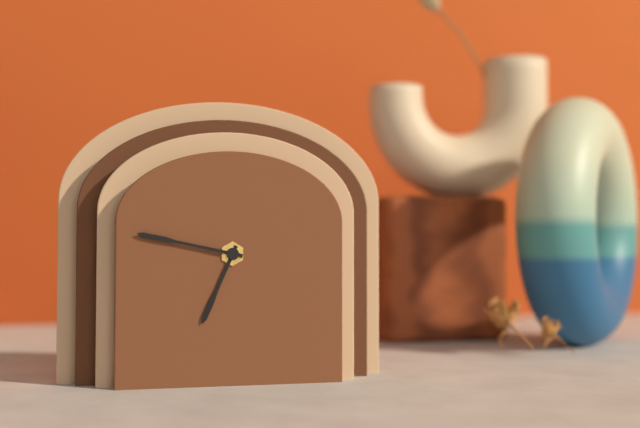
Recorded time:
h=6 m=47
